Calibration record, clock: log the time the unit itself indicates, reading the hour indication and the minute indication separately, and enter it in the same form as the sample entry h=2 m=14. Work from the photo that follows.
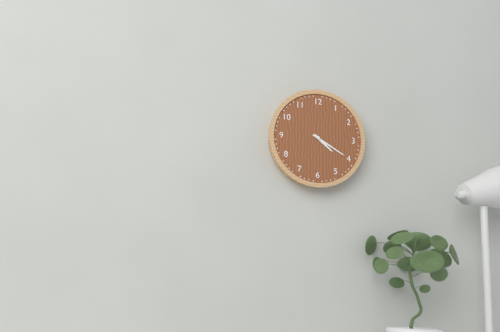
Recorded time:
h=4 m=20
